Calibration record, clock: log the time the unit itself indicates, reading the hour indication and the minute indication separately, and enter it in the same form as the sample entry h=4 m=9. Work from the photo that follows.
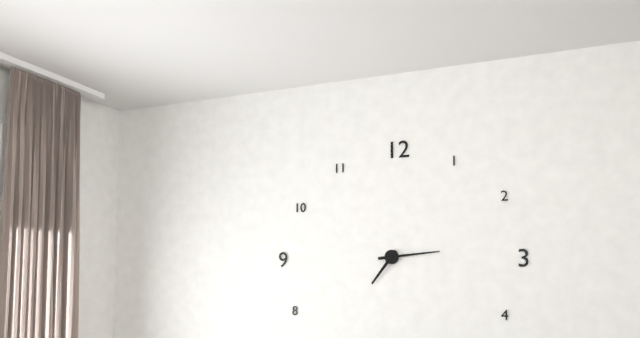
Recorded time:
h=7 m=14
